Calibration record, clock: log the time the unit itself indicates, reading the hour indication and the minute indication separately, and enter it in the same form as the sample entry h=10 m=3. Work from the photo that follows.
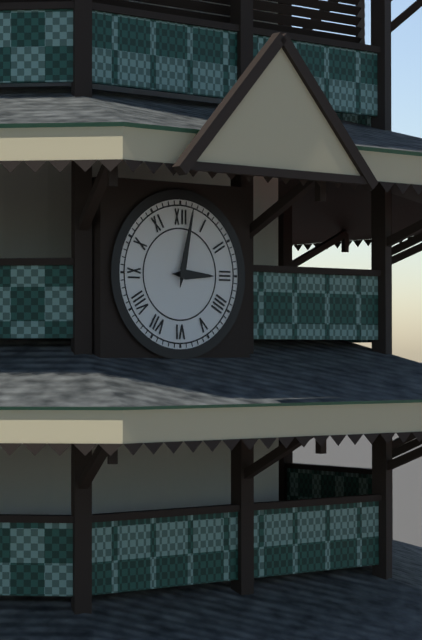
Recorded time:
h=3 m=2
